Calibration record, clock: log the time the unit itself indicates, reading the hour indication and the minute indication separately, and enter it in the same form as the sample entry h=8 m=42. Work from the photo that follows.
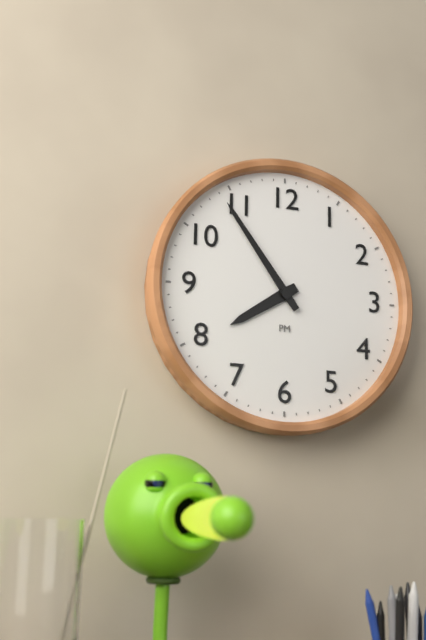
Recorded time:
h=7 m=54
